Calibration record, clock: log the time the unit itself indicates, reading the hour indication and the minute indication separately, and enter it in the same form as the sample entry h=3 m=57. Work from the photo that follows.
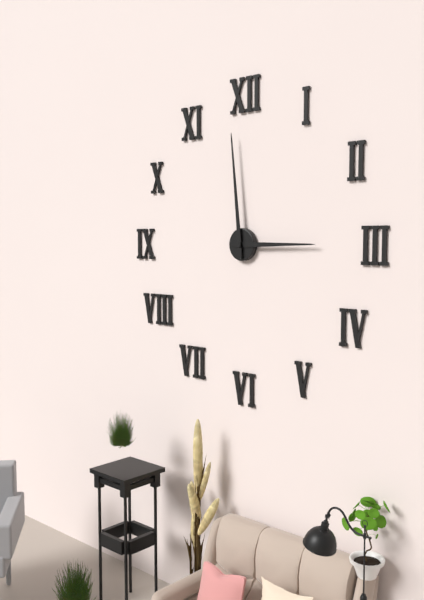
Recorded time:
h=2 m=59
